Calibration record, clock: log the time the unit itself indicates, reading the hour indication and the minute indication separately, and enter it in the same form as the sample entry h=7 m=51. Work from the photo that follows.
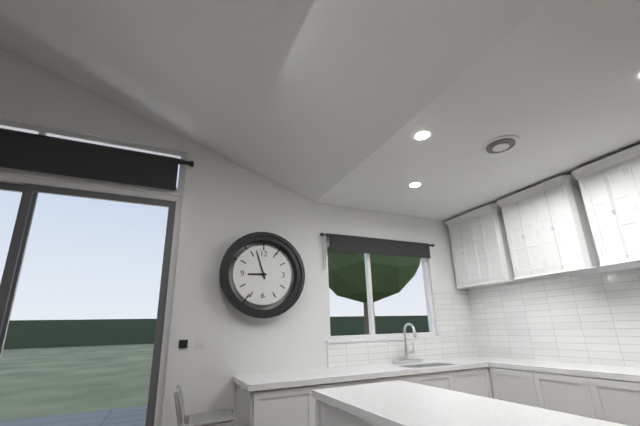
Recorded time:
h=8 m=57
